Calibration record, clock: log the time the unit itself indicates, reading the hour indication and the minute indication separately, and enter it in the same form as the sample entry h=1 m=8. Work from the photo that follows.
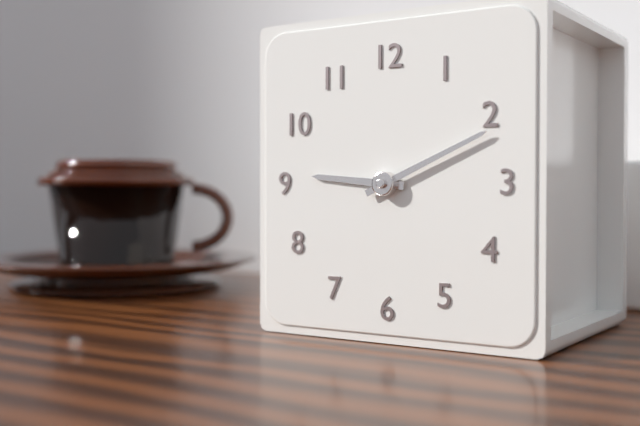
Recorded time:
h=9 m=11
